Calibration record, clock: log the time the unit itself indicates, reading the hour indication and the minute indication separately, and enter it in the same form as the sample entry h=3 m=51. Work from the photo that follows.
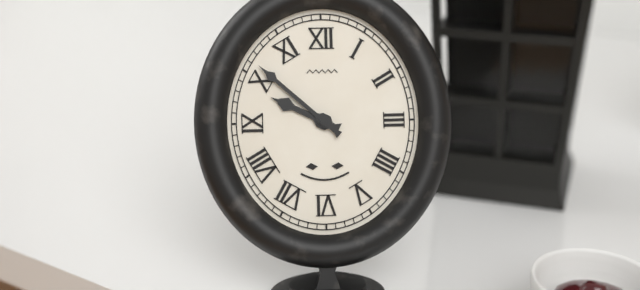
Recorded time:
h=9 m=52
